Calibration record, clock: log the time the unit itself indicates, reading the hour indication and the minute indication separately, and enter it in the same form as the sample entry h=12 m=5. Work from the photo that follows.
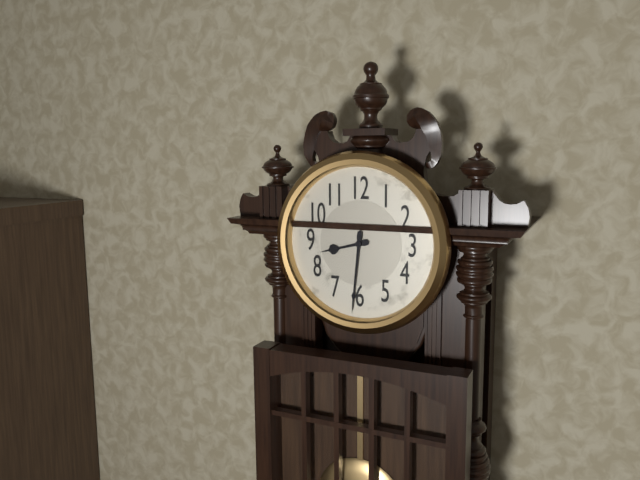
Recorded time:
h=8 m=31
